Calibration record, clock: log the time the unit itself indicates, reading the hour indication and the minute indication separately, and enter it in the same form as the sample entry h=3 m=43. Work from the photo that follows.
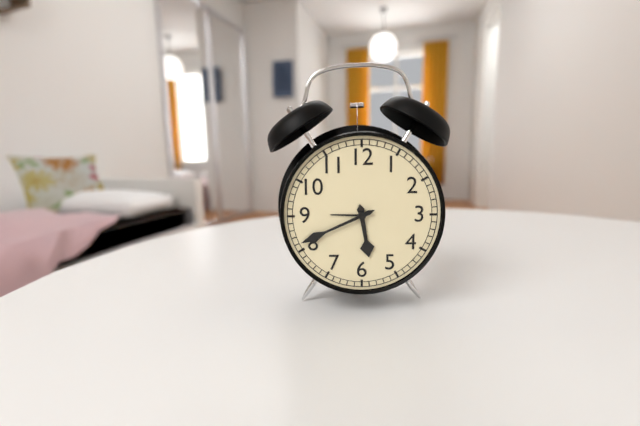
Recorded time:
h=5 m=41
